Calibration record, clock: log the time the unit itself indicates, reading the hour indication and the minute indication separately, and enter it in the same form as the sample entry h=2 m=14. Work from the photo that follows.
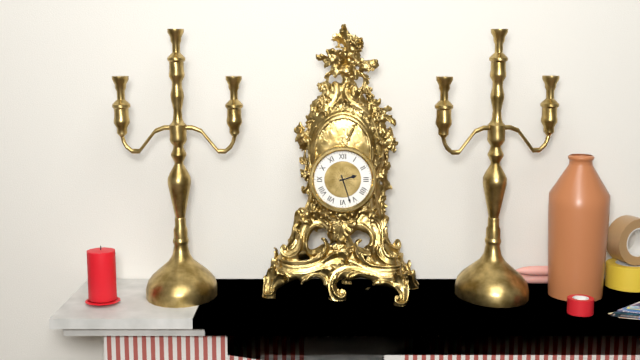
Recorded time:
h=2 m=27
